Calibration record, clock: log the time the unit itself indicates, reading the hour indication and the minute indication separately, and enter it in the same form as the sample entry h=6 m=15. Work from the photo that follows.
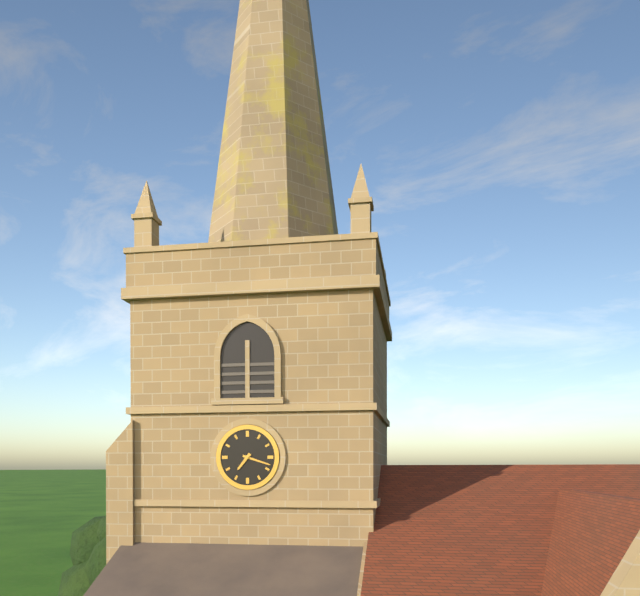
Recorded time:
h=7 m=18
